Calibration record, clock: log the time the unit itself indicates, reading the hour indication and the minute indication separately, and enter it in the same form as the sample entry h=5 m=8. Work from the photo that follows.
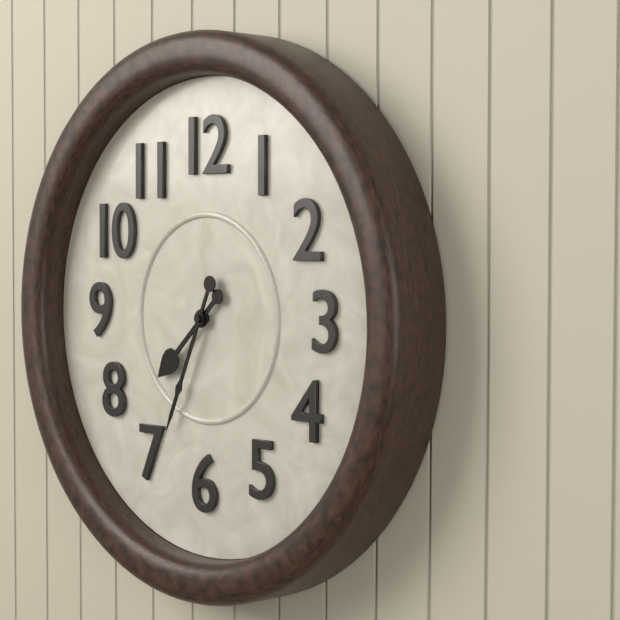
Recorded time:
h=7 m=34
